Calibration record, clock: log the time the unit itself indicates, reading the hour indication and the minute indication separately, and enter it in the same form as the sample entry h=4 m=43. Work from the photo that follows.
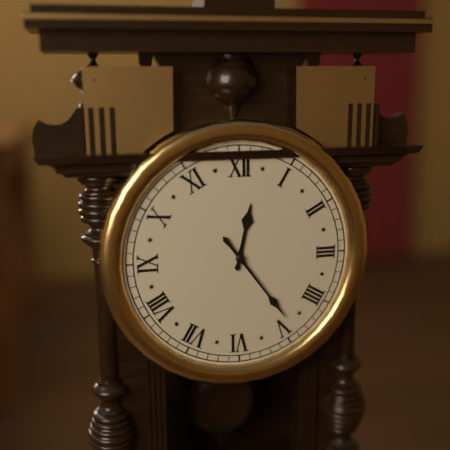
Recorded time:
h=12 m=24
